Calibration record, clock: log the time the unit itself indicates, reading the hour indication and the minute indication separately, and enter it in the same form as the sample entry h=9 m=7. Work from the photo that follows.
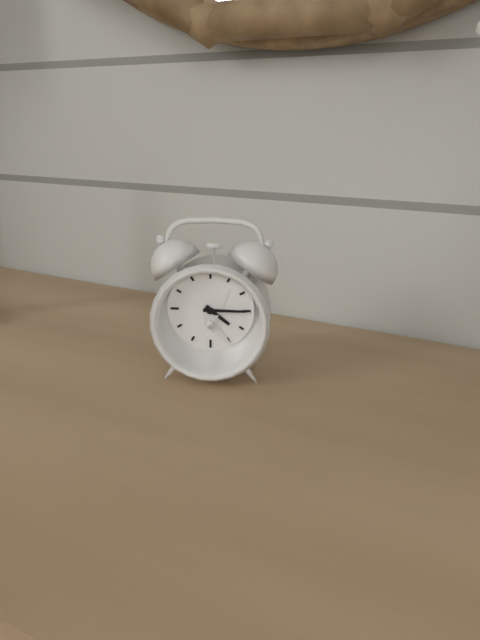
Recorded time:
h=4 m=15
